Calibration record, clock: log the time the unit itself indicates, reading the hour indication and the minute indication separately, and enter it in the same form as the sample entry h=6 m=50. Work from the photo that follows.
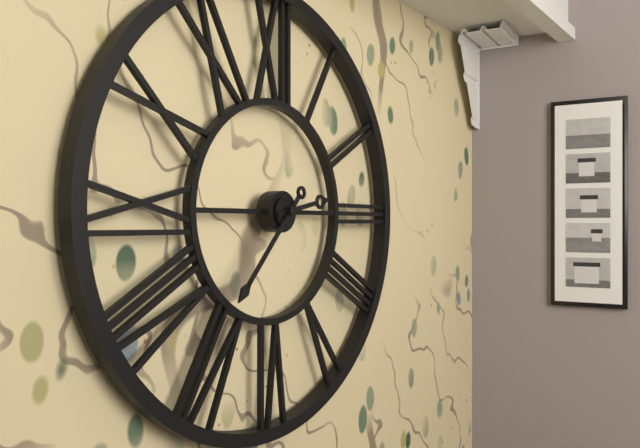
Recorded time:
h=2 m=37
